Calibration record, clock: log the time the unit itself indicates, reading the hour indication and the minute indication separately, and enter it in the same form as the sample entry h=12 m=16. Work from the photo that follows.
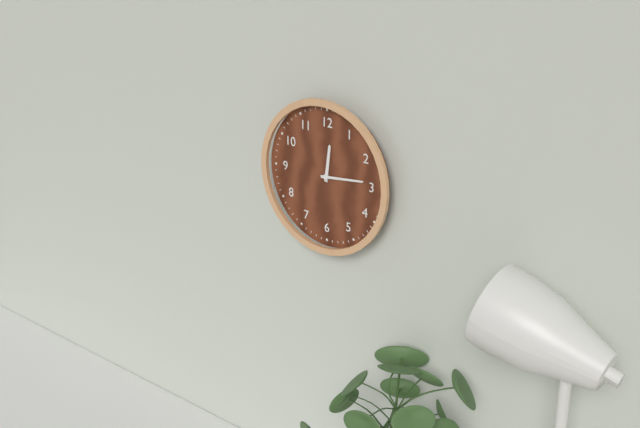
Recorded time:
h=12 m=14
